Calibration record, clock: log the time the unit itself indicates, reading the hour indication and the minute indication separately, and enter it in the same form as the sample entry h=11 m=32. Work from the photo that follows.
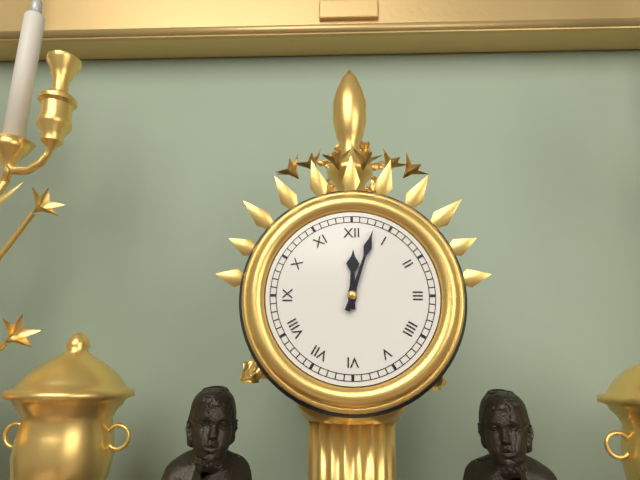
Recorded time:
h=12 m=3
